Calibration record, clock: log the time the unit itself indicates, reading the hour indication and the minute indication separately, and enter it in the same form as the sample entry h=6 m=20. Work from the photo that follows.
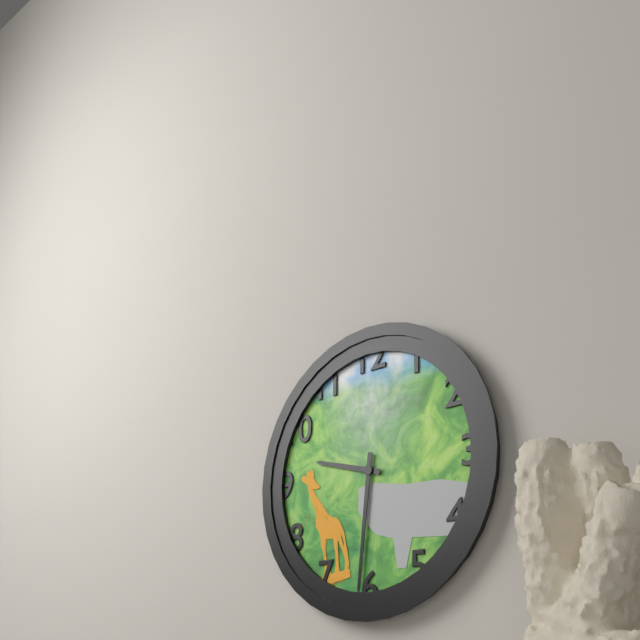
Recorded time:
h=9 m=31
